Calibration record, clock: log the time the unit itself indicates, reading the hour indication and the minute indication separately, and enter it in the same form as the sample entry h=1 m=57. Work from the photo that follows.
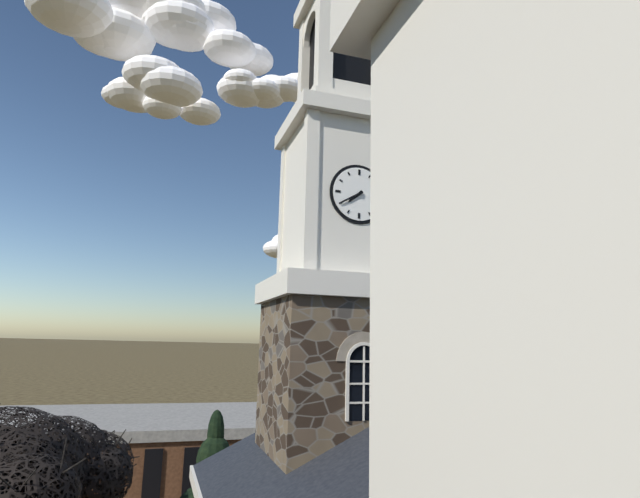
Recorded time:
h=7 m=40
